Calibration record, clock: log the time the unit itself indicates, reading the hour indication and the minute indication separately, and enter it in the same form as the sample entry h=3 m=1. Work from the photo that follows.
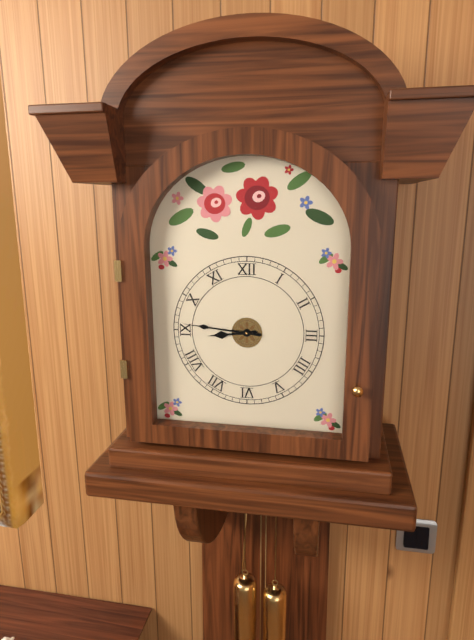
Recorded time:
h=8 m=46
